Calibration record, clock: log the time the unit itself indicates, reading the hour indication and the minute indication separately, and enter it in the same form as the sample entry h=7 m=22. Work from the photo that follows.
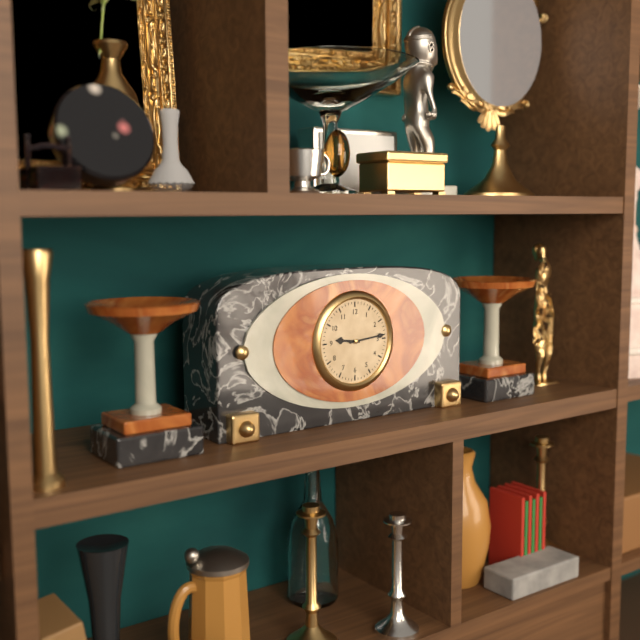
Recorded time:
h=9 m=14
